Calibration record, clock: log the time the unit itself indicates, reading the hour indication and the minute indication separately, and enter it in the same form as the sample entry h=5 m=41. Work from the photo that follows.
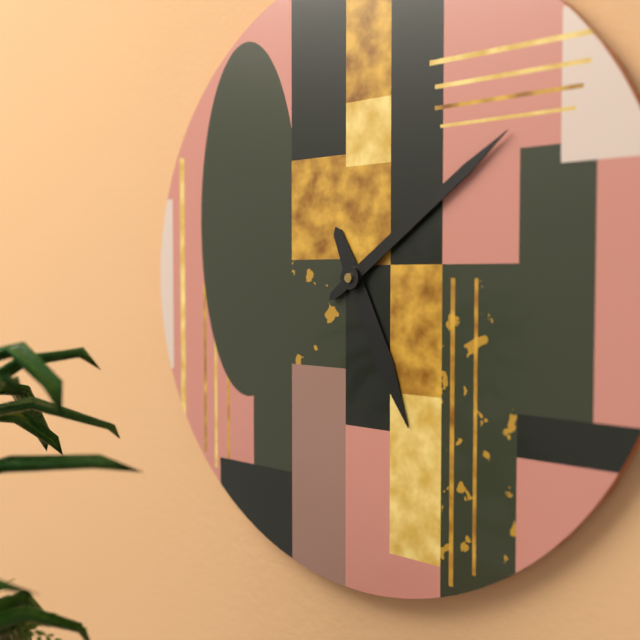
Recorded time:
h=5 m=9
